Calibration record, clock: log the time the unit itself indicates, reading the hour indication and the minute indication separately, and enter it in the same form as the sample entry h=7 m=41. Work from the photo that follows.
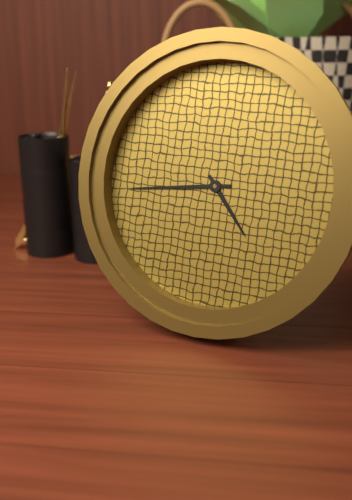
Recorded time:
h=4 m=44
